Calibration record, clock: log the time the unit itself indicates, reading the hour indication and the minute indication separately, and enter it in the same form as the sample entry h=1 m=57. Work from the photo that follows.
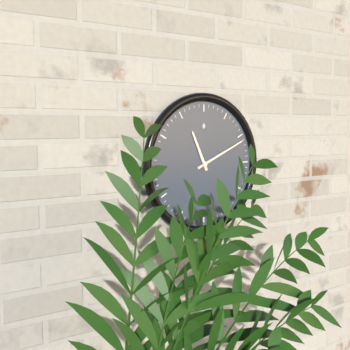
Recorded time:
h=11 m=11
